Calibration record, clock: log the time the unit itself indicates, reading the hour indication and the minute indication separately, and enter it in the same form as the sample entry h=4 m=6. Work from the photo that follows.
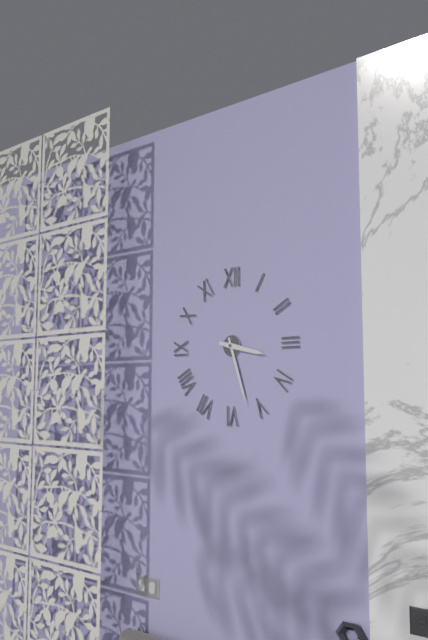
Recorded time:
h=3 m=27
